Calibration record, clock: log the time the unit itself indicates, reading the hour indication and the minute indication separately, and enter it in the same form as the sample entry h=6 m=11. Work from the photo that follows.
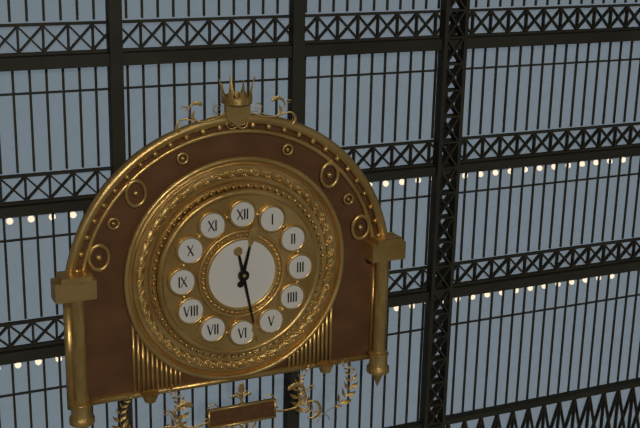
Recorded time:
h=12 m=28
